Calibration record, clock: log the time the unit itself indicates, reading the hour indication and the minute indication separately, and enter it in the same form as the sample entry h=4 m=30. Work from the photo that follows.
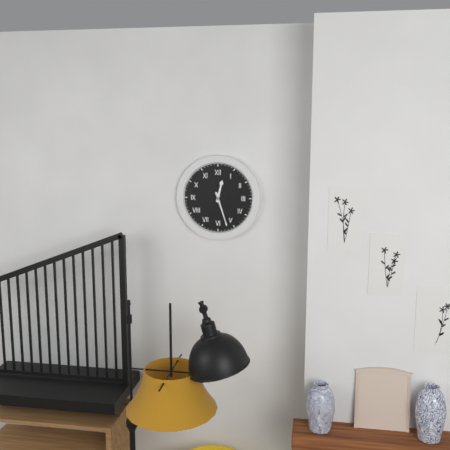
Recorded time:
h=12 m=27
